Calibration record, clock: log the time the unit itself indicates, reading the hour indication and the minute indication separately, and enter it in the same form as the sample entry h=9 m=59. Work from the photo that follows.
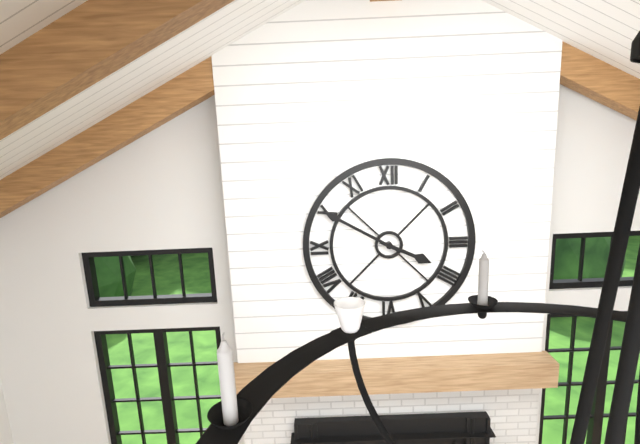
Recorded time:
h=3 m=50
